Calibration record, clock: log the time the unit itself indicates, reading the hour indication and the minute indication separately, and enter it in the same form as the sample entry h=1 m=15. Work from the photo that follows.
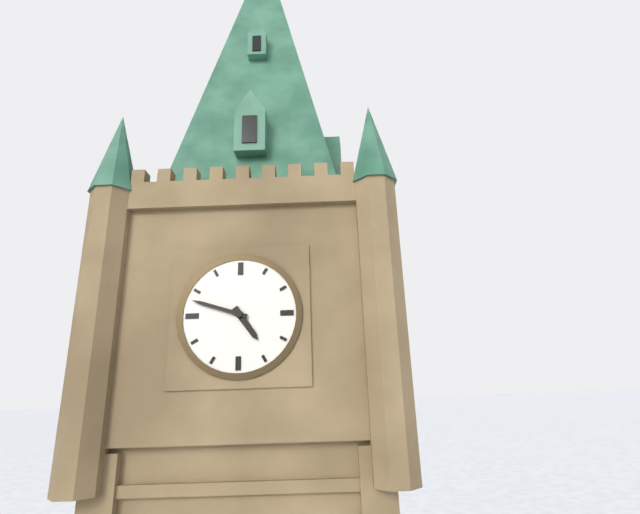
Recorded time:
h=4 m=48
